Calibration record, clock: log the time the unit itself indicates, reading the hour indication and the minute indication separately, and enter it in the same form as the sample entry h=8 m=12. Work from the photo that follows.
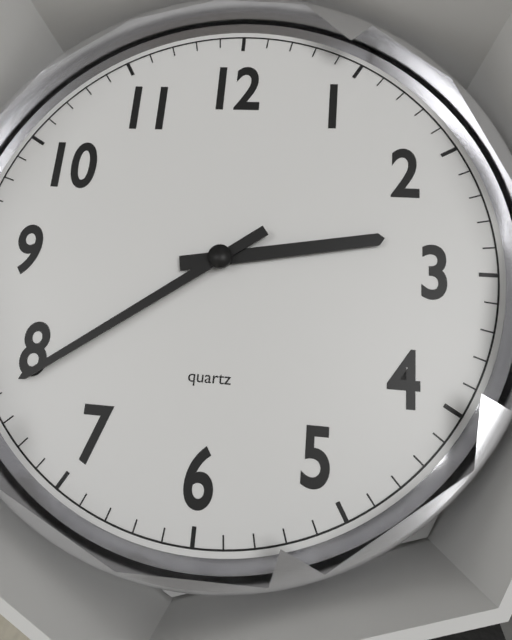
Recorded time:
h=2 m=39
